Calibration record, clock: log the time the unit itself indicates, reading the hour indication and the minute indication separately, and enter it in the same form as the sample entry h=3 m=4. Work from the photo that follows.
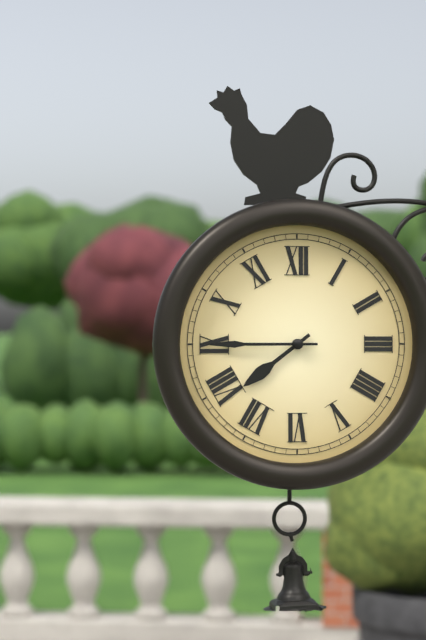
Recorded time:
h=7 m=45
